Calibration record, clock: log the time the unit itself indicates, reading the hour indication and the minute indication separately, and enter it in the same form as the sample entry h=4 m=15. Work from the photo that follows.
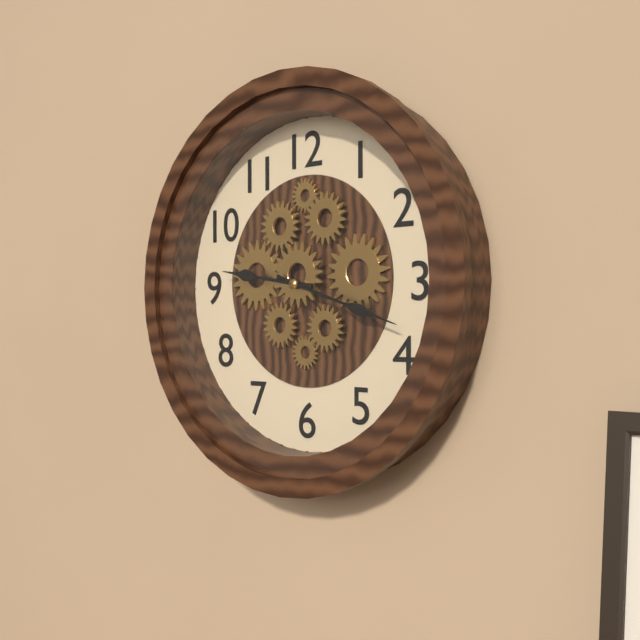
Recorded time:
h=9 m=18
